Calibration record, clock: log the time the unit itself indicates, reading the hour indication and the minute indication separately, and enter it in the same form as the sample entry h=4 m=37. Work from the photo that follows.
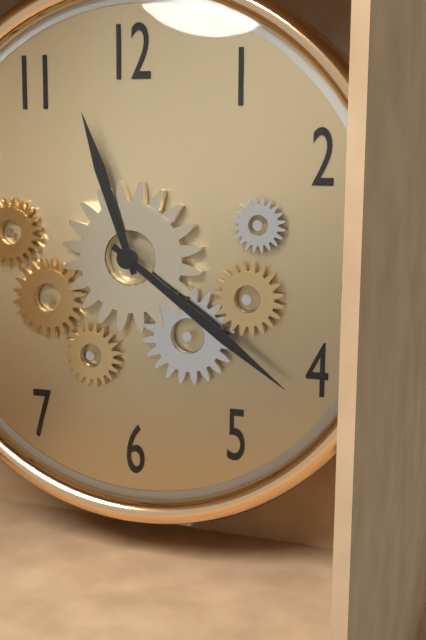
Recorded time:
h=11 m=21
